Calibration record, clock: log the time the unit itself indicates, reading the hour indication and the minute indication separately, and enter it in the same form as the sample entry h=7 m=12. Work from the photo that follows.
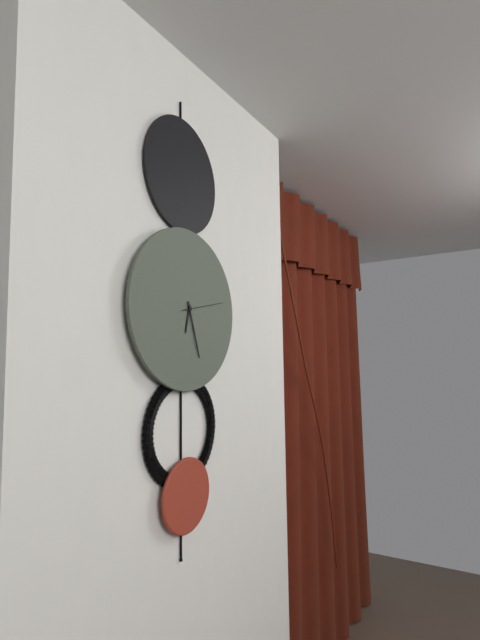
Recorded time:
h=6 m=27
